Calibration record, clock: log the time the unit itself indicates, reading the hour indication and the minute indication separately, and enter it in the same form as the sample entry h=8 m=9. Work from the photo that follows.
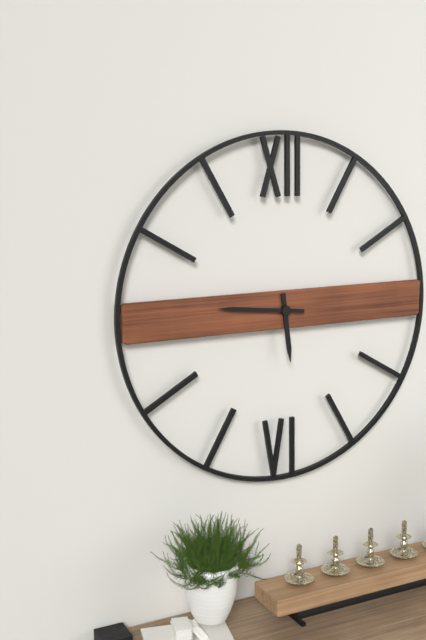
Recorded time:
h=5 m=46
